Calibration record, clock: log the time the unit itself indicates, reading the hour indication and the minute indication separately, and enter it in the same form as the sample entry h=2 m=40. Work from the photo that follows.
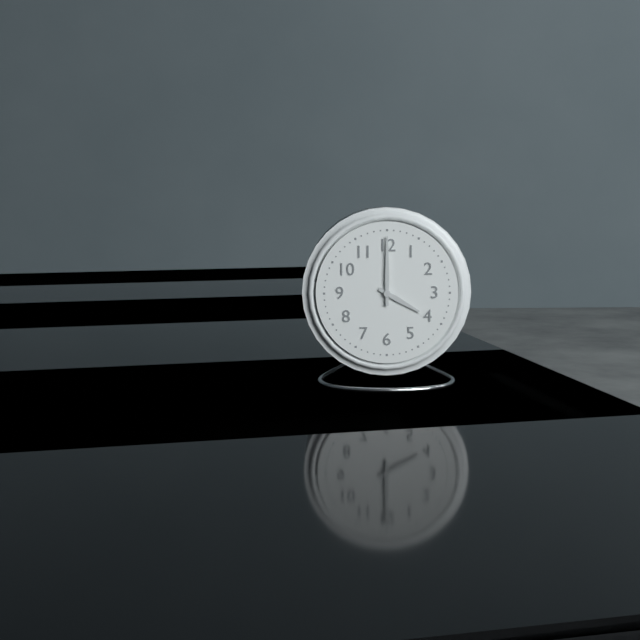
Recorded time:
h=4 m=0
